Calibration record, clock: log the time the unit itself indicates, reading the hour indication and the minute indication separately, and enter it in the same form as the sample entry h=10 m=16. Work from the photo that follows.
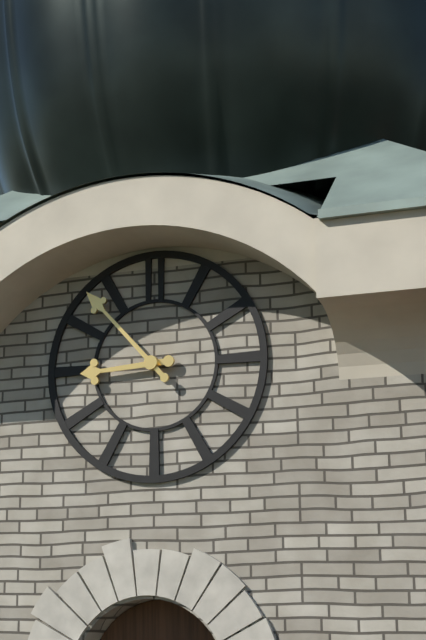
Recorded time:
h=8 m=53
